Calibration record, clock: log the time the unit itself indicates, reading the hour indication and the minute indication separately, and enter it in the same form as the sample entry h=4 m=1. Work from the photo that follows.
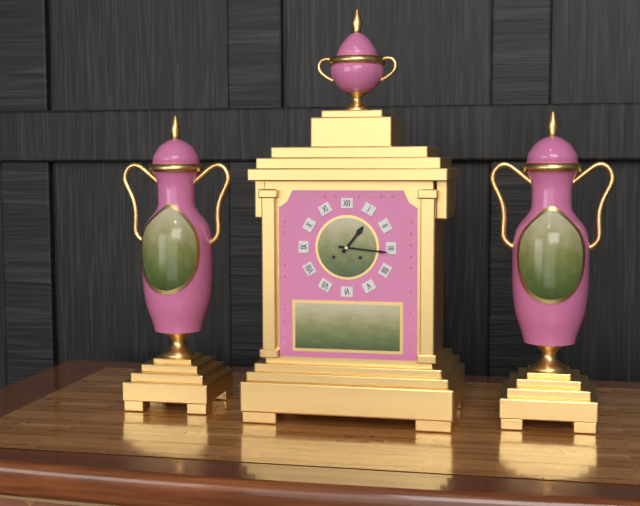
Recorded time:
h=1 m=16
